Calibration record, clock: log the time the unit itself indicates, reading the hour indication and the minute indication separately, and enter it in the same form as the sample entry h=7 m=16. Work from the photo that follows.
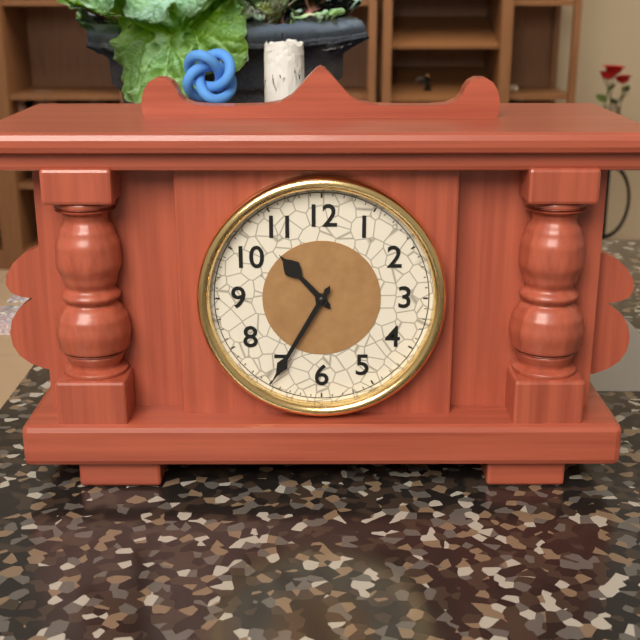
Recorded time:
h=10 m=35
